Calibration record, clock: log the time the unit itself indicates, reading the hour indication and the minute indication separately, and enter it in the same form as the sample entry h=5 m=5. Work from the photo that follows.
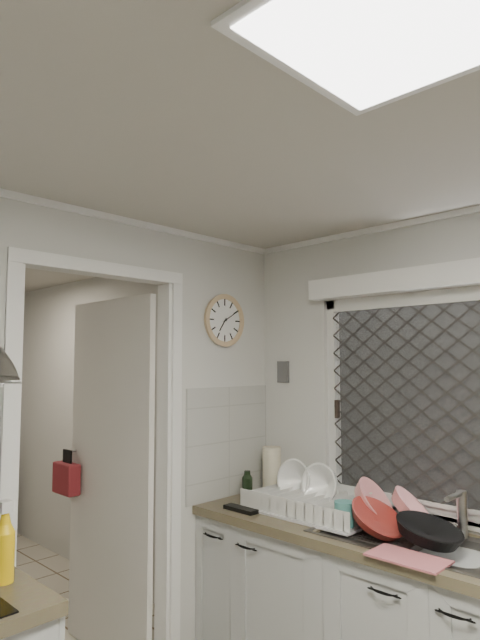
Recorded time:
h=7 m=10
